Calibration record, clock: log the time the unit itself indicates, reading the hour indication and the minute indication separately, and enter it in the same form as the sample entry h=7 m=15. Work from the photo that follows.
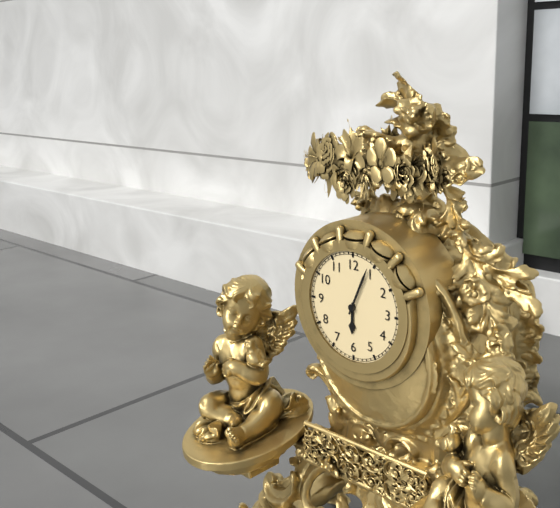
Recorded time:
h=6 m=4
